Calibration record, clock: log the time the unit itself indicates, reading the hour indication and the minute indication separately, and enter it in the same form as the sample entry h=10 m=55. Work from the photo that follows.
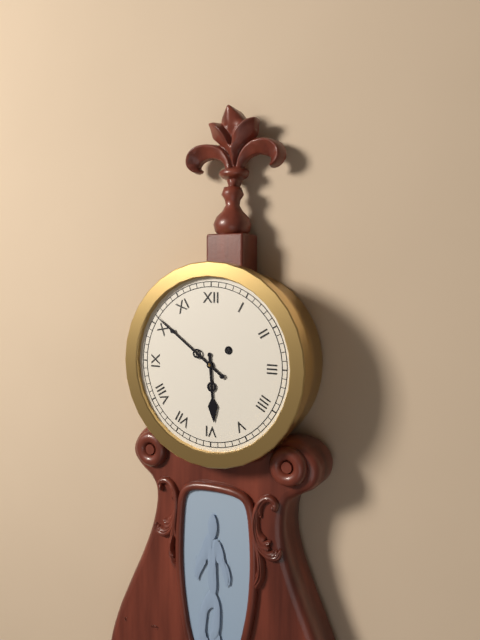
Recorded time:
h=5 m=51
